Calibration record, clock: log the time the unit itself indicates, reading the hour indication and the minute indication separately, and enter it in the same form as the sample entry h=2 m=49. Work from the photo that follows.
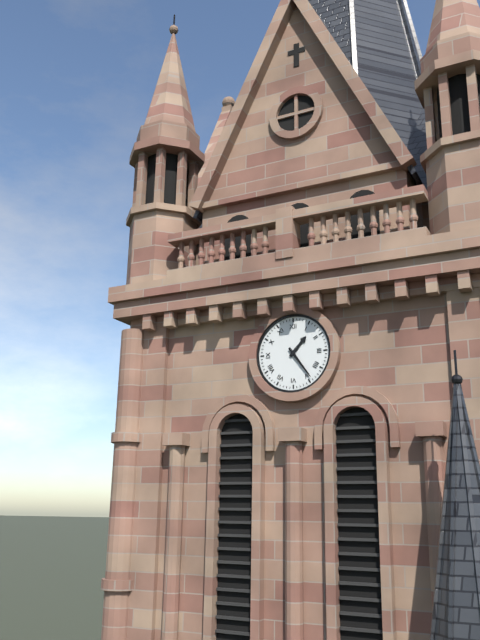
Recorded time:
h=1 m=24
